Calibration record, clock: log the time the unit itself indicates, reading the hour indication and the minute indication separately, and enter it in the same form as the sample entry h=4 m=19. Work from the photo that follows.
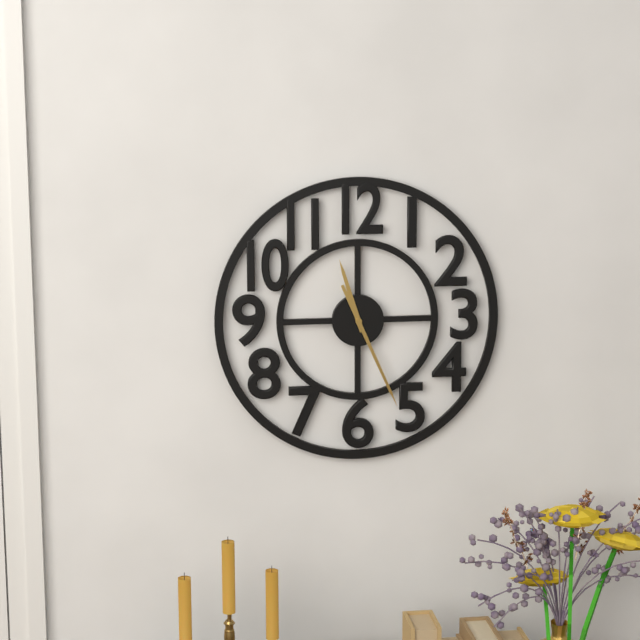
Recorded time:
h=11 m=26
